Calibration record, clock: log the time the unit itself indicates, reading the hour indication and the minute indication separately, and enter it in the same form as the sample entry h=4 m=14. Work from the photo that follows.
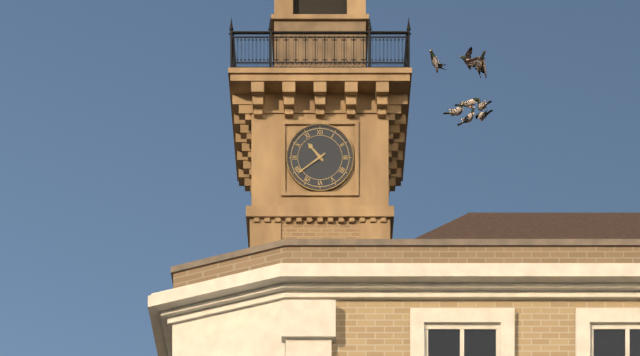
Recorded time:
h=10 m=39
